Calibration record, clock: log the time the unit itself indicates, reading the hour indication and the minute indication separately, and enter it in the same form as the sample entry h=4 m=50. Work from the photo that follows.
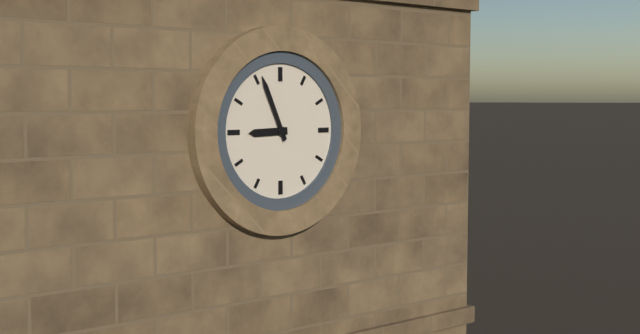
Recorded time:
h=8 m=56
